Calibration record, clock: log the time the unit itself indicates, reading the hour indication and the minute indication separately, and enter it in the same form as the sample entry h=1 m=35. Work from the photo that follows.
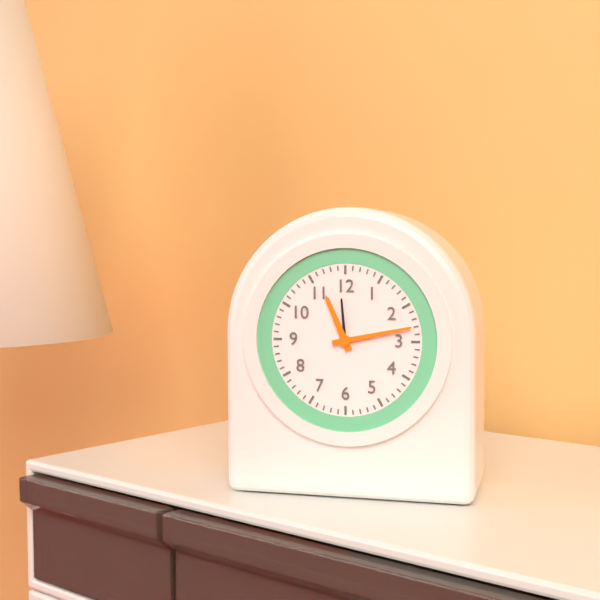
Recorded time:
h=11 m=13
